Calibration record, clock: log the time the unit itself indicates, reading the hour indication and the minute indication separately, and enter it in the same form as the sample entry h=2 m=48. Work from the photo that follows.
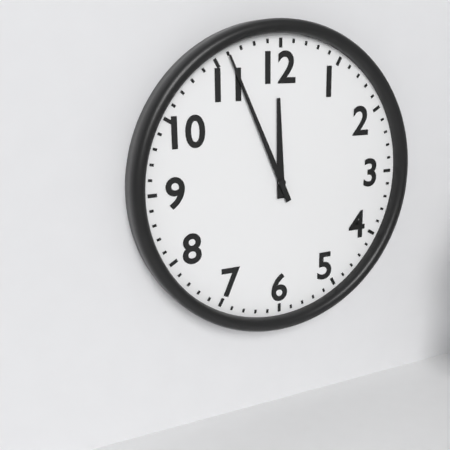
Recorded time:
h=11 m=56
